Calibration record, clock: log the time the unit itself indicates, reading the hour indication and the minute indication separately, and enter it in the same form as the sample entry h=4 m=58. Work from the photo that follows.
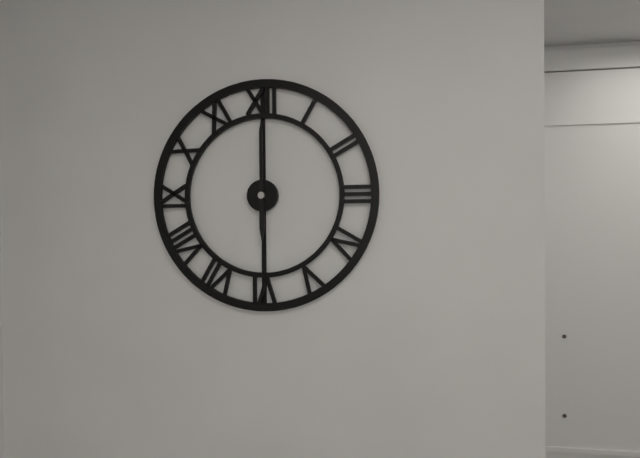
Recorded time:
h=6 m=0
